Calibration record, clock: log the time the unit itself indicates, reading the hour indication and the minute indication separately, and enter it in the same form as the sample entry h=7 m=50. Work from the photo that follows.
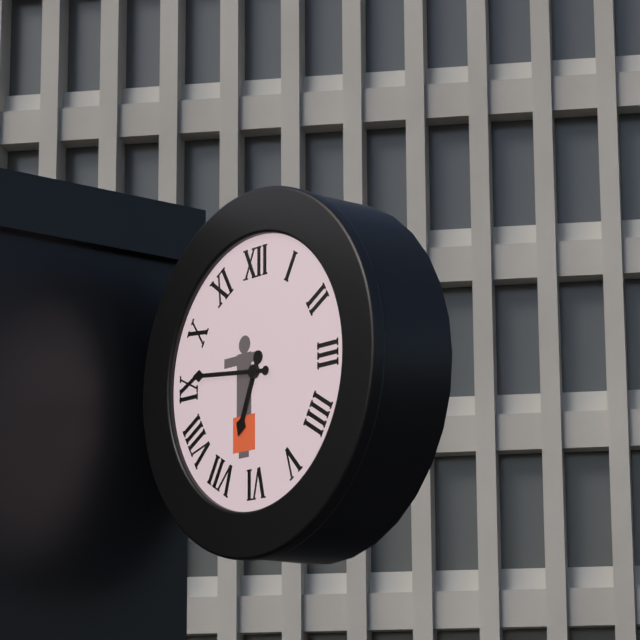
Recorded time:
h=6 m=46
